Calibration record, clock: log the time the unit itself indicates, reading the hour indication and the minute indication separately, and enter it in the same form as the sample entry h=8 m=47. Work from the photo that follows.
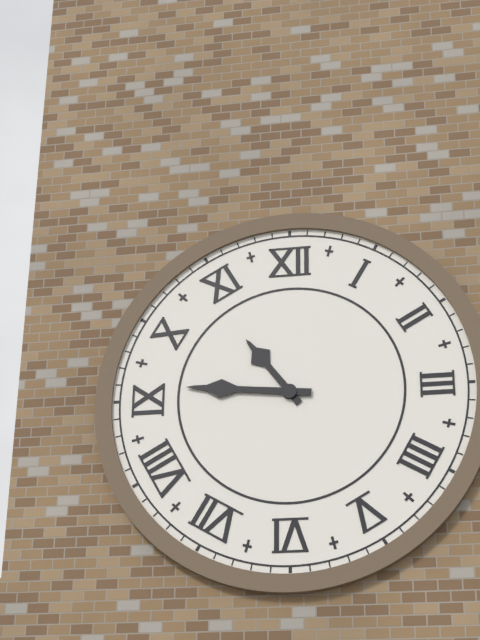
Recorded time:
h=10 m=46
